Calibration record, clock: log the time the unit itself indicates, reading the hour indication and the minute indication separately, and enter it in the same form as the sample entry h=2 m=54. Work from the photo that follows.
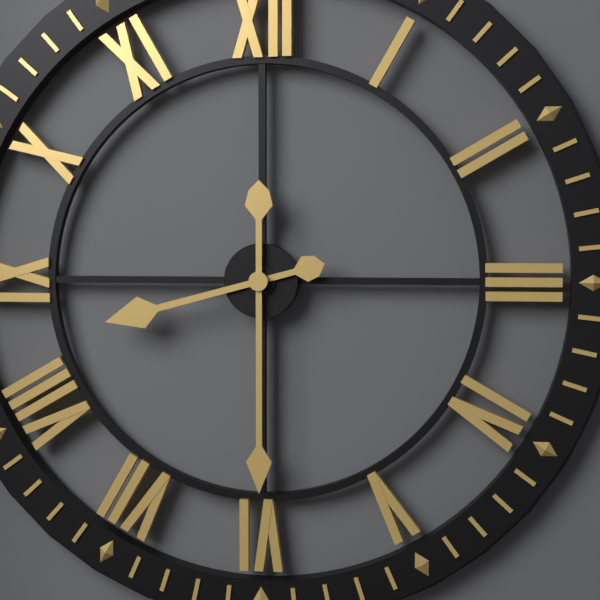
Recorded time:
h=8 m=30
